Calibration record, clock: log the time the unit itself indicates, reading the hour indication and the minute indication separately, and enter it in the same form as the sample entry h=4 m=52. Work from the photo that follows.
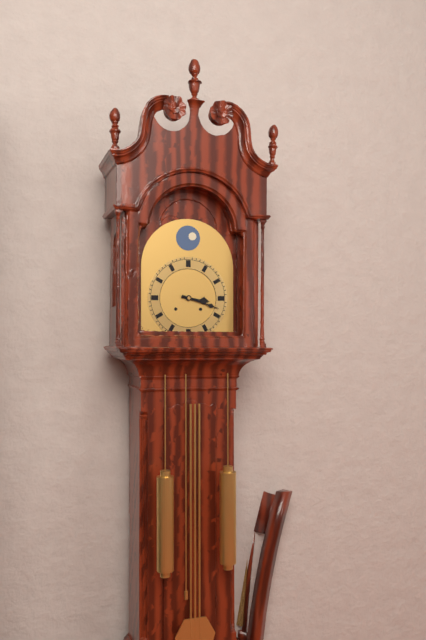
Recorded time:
h=3 m=18
